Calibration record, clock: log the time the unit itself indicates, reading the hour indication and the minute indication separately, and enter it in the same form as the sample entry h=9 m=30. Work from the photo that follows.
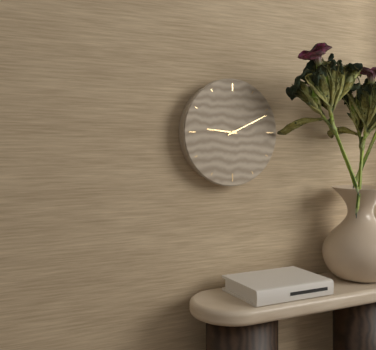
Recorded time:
h=9 m=11
